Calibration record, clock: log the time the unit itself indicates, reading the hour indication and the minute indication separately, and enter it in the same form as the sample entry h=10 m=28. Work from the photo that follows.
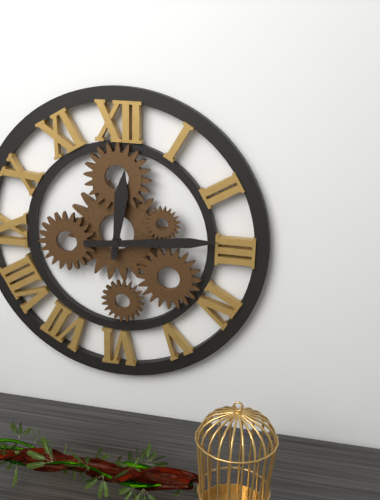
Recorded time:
h=12 m=14
